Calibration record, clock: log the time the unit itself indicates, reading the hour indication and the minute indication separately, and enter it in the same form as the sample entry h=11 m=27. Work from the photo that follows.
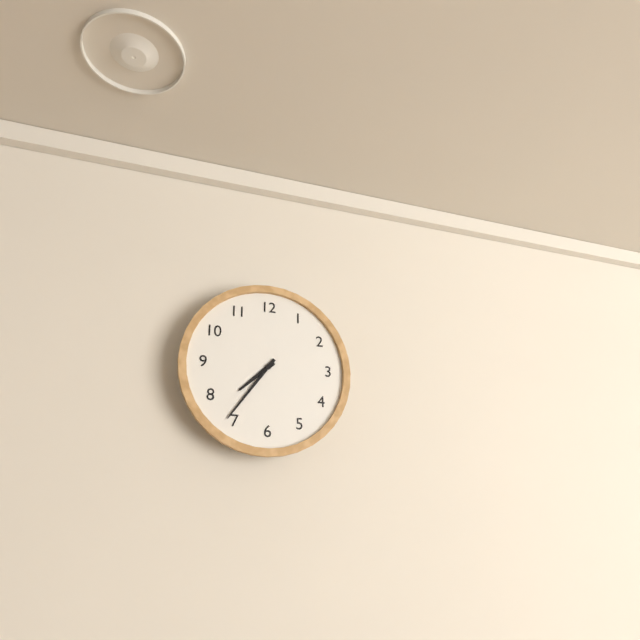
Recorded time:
h=7 m=36
